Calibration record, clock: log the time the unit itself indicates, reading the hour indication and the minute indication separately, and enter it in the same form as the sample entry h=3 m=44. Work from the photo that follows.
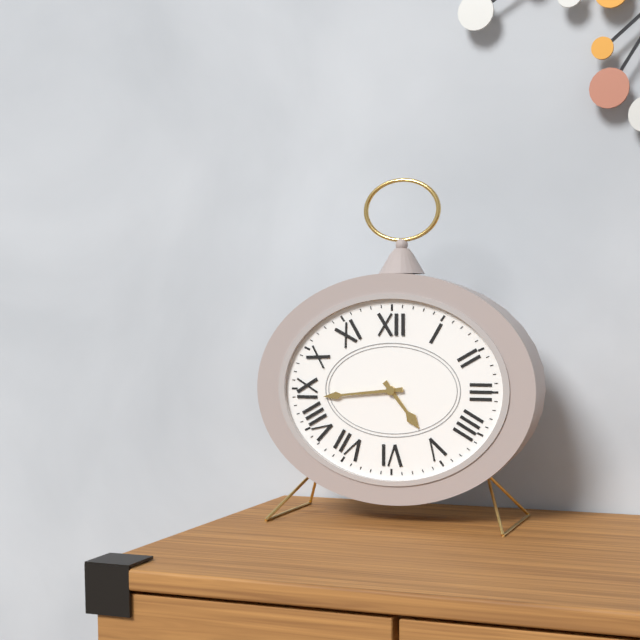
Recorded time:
h=4 m=44
